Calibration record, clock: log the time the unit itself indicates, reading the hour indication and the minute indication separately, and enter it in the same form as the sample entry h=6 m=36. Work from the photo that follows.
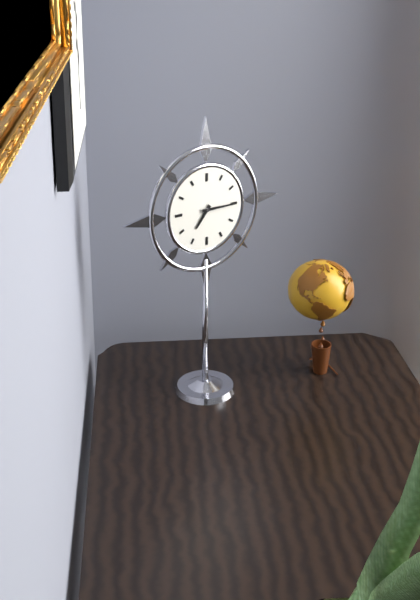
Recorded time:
h=7 m=15
